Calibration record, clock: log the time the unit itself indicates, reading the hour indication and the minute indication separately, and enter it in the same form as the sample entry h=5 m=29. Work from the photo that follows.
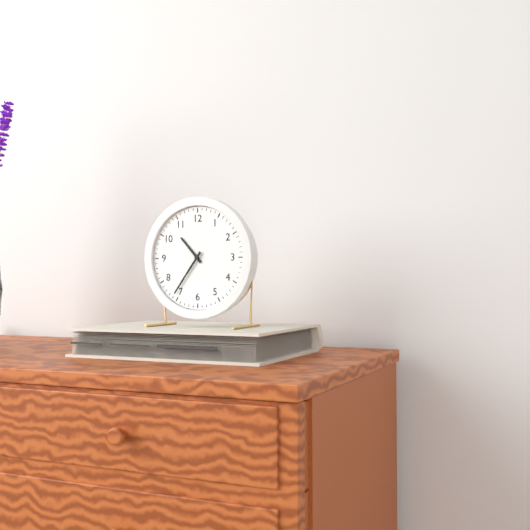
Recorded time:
h=10 m=36
